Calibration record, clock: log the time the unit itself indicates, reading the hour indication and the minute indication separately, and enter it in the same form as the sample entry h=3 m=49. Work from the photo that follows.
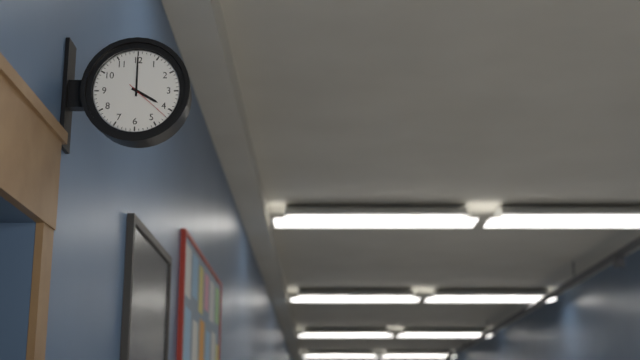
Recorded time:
h=4 m=0
